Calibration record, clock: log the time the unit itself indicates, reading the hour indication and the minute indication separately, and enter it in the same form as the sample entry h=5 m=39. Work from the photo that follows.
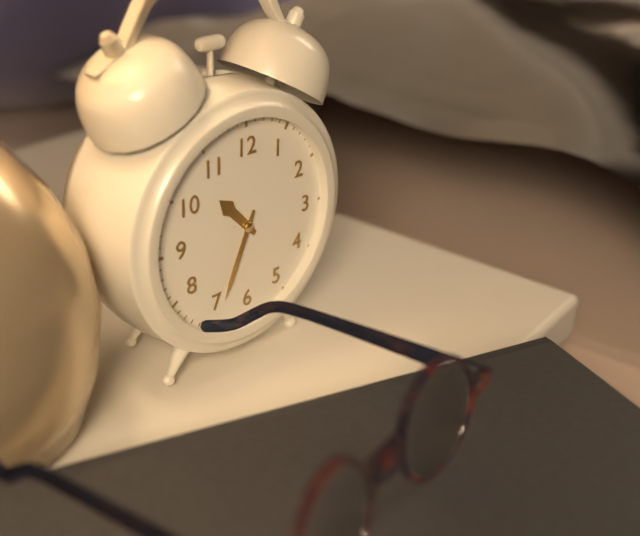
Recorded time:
h=10 m=34
